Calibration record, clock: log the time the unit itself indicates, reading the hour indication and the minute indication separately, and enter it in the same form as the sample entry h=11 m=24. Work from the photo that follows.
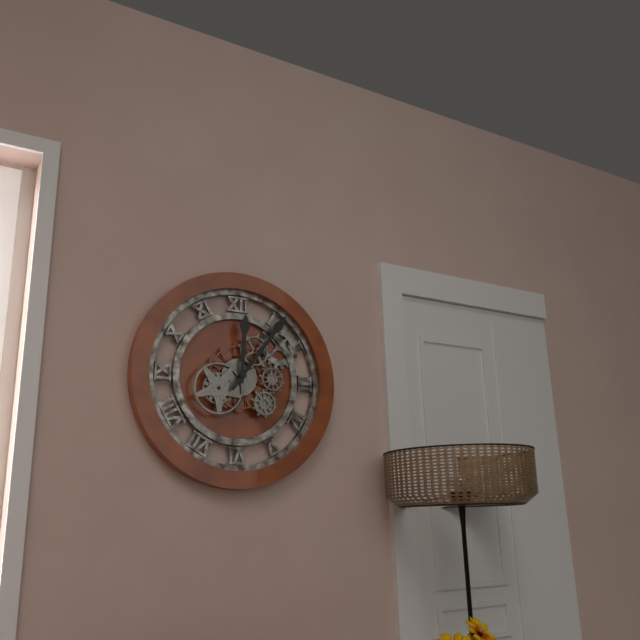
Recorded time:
h=12 m=6
